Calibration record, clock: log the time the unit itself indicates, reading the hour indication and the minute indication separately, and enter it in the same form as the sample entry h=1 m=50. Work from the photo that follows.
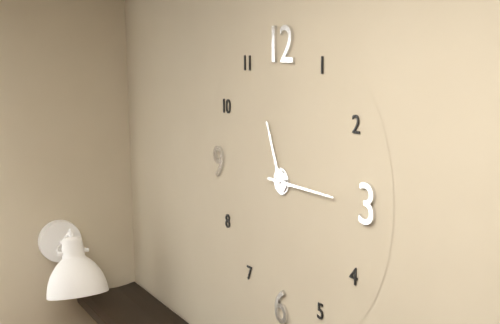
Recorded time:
h=11 m=15
